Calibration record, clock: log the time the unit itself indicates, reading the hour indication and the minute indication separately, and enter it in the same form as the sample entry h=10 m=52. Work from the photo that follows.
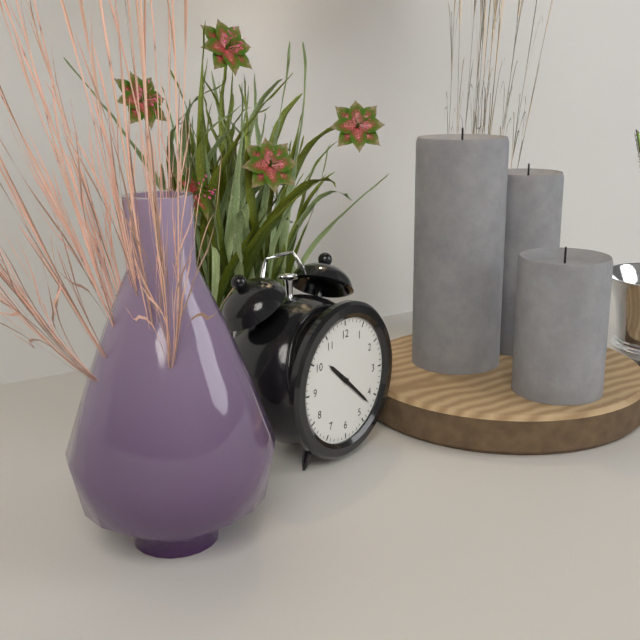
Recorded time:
h=10 m=22
